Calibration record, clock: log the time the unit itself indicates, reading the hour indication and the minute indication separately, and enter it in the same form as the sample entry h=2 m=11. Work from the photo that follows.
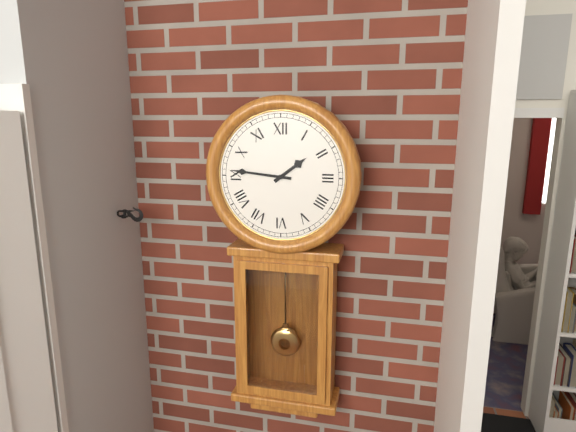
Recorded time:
h=1 m=46
